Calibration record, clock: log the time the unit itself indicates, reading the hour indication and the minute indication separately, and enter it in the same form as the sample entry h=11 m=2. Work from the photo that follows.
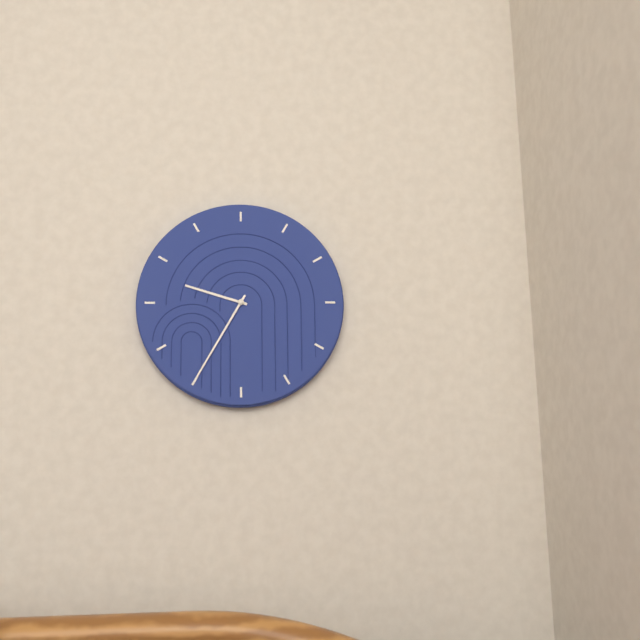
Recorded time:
h=9 m=35
